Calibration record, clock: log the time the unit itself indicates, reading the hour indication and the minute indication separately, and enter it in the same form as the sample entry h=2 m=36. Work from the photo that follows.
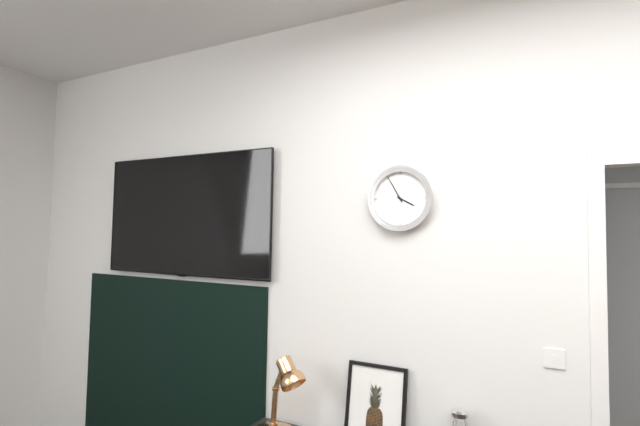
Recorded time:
h=3 m=55
